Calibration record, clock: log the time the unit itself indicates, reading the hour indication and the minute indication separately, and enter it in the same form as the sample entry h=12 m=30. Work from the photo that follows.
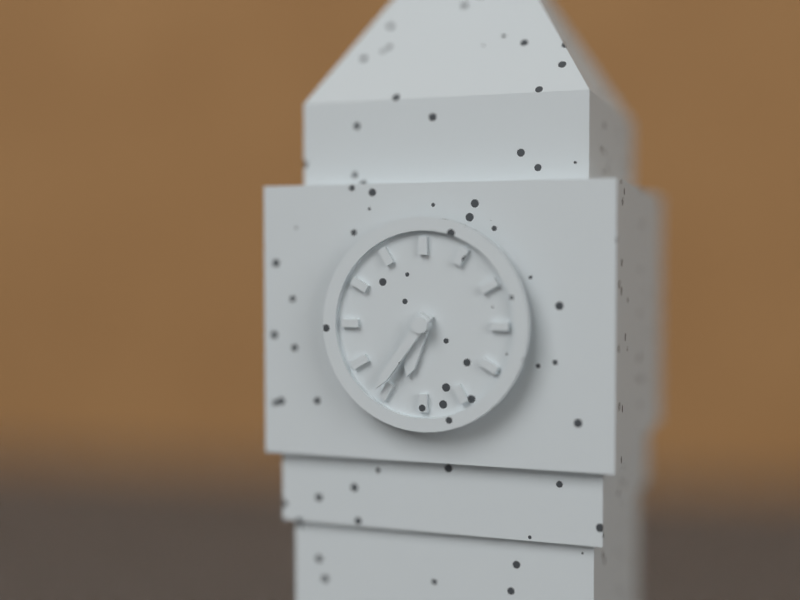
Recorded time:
h=6 m=36
